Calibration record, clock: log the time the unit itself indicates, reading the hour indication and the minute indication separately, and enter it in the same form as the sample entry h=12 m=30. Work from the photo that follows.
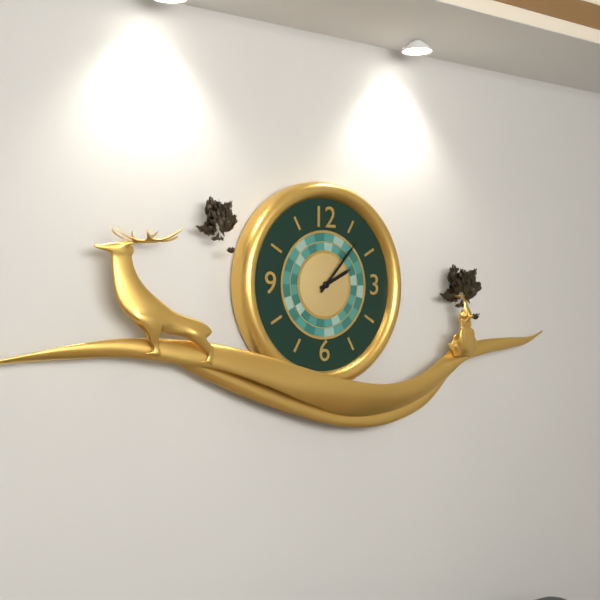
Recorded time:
h=2 m=7
